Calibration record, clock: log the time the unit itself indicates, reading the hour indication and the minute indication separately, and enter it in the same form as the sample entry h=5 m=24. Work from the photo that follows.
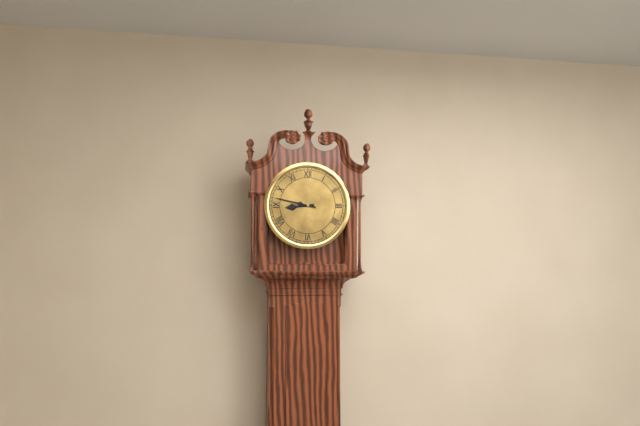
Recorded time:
h=8 m=47
